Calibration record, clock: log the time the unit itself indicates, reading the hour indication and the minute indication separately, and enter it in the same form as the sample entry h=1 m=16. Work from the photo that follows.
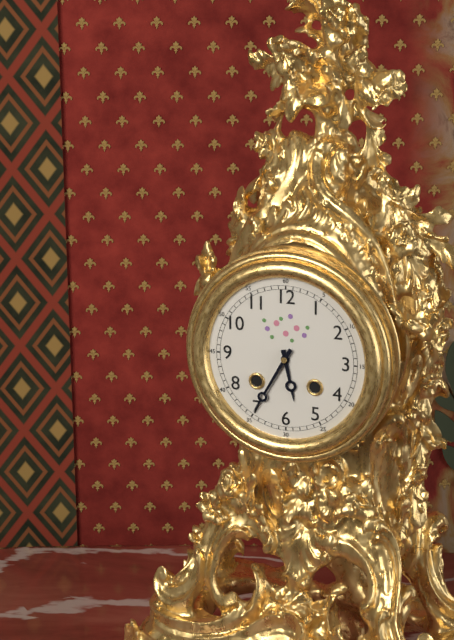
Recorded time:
h=5 m=35
